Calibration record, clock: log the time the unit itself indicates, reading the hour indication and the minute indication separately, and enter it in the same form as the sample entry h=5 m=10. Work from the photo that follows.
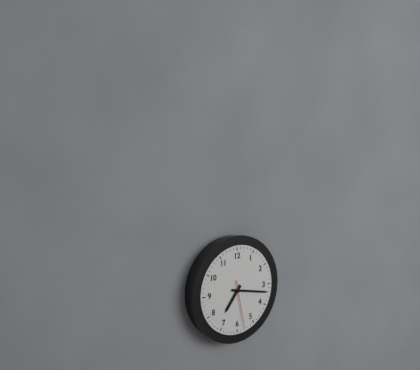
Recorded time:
h=7 m=17
